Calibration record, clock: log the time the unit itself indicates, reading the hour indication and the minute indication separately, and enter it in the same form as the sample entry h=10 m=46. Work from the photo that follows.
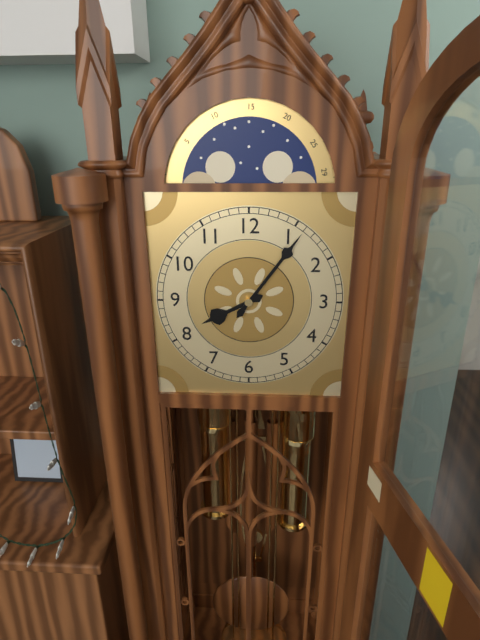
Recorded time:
h=8 m=6
